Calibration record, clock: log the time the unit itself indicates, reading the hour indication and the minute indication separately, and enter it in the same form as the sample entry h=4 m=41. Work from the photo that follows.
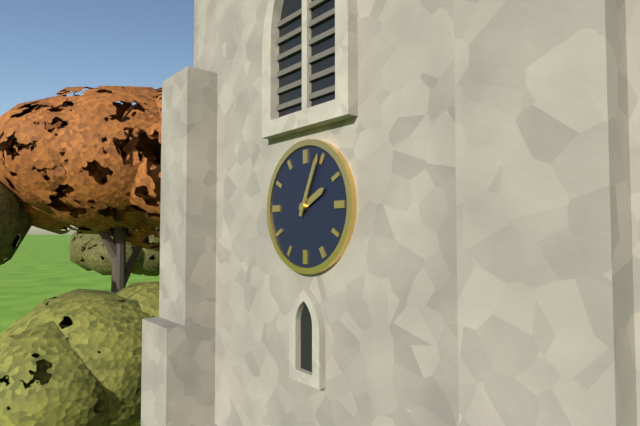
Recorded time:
h=2 m=4
